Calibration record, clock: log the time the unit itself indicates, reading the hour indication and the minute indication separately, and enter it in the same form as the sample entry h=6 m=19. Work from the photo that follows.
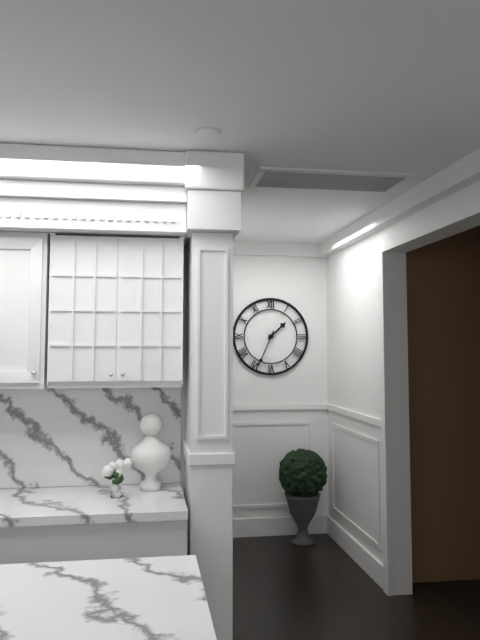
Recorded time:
h=1 m=34
